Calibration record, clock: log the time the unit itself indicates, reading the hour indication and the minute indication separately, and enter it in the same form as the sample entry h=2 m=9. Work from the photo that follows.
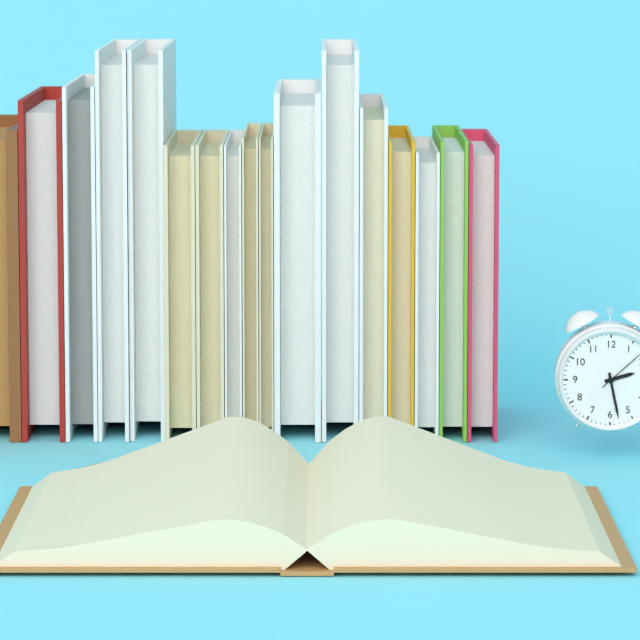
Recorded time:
h=2 m=28
